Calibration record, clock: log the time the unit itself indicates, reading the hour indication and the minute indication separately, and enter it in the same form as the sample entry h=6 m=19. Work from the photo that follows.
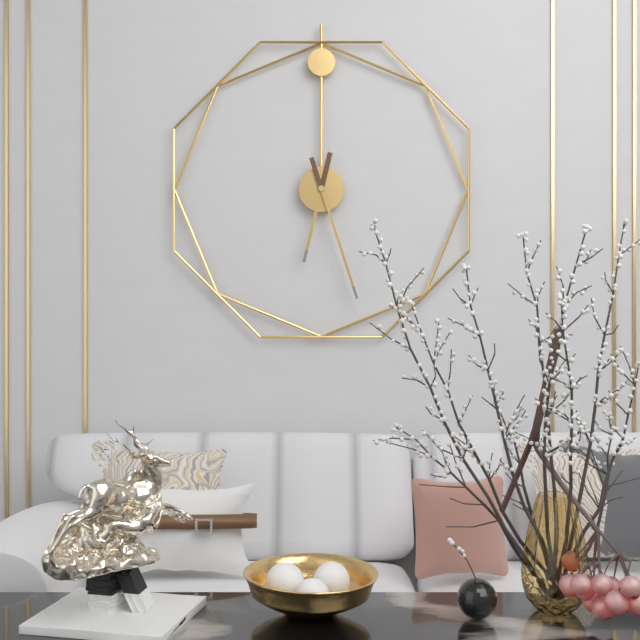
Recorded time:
h=6 m=27
